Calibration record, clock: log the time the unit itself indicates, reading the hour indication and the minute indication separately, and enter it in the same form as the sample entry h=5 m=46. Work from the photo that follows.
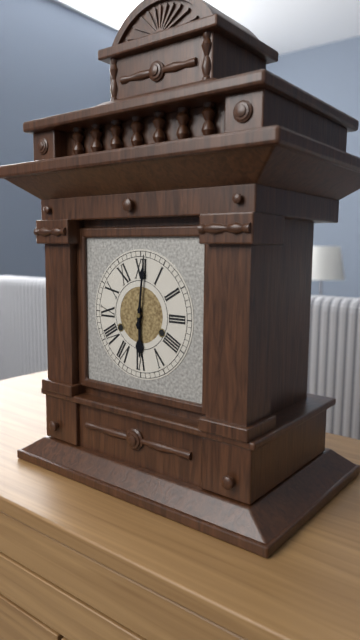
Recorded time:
h=6 m=1
